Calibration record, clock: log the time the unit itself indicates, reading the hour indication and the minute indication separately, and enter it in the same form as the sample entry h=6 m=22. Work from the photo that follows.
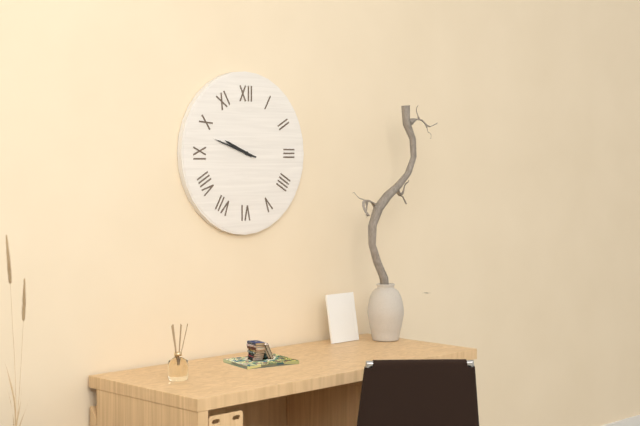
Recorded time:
h=9 m=48
